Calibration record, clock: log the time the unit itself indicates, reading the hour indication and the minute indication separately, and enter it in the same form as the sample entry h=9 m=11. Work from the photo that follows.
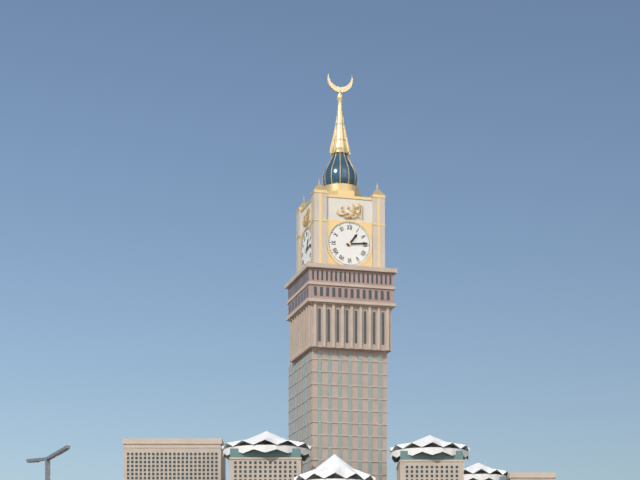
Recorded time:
h=1 m=14
